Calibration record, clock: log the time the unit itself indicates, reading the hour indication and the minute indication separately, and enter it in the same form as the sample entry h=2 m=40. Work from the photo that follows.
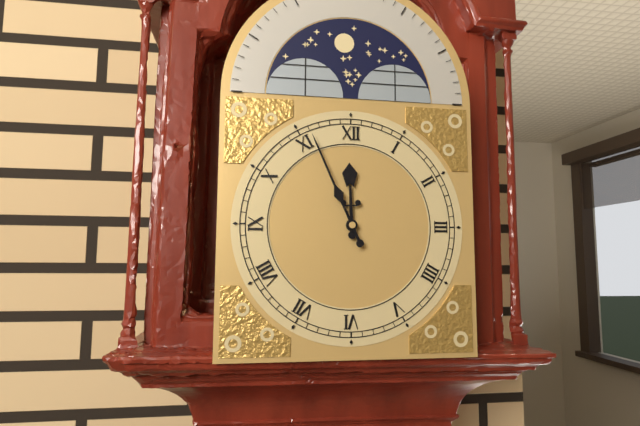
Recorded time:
h=11 m=56
